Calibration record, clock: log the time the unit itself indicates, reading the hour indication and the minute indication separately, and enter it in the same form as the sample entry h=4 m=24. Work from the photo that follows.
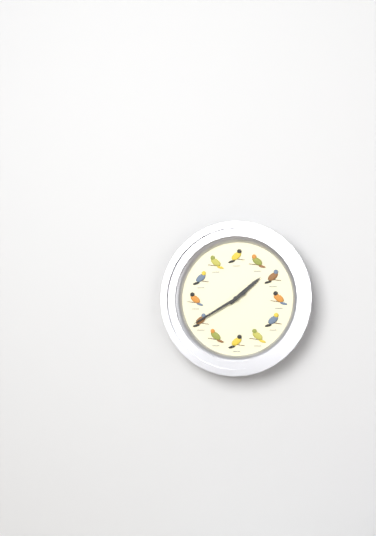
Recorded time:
h=1 m=40
